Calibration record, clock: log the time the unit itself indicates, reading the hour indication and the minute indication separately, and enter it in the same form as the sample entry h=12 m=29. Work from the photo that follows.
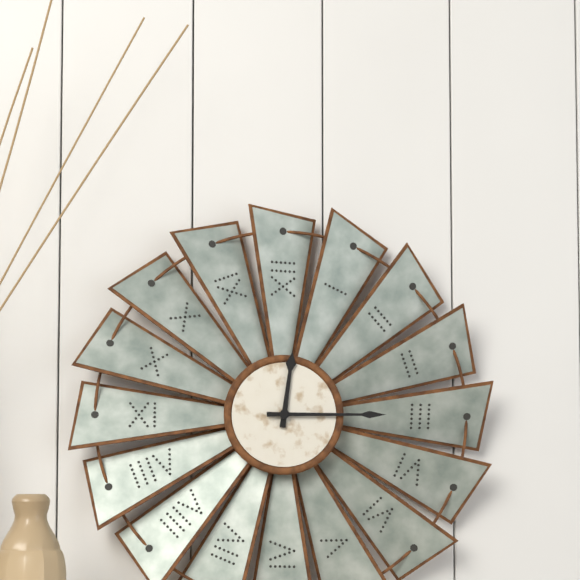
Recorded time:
h=12 m=15
